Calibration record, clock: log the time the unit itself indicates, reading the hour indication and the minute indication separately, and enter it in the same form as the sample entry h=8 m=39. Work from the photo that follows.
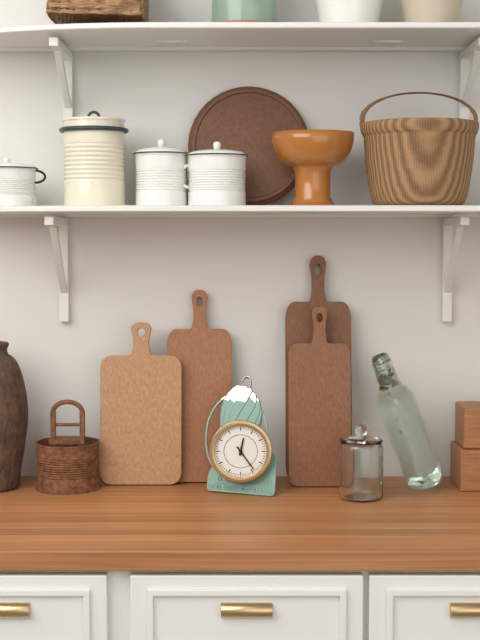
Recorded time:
h=12 m=24
